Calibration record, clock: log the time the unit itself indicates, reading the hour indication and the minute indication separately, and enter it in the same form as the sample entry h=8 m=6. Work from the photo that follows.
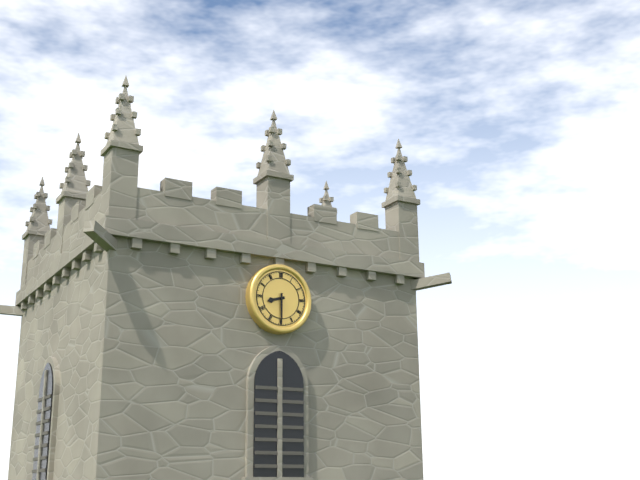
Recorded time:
h=8 m=30
